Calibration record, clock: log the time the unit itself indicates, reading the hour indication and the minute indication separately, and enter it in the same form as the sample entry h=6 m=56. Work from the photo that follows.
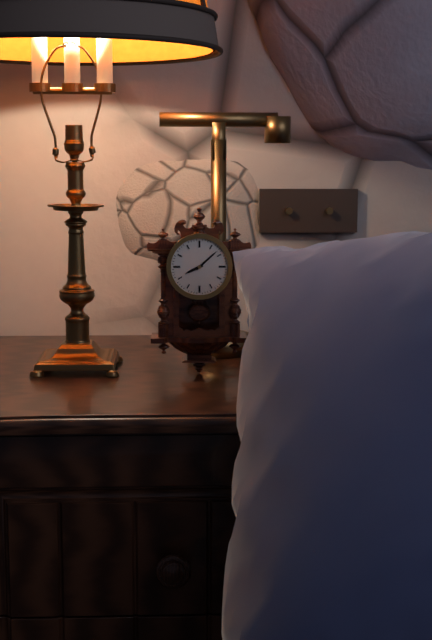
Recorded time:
h=8 m=8
